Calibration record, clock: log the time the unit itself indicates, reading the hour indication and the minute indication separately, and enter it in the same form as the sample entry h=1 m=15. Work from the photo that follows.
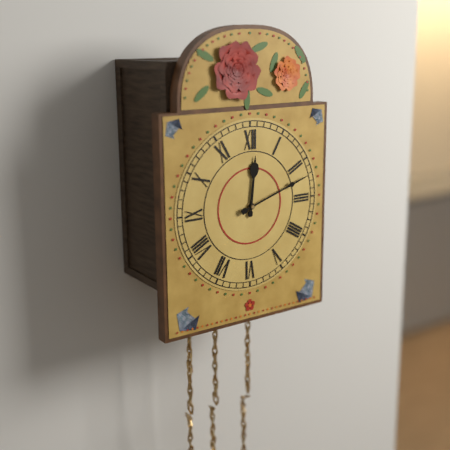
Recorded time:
h=12 m=12
